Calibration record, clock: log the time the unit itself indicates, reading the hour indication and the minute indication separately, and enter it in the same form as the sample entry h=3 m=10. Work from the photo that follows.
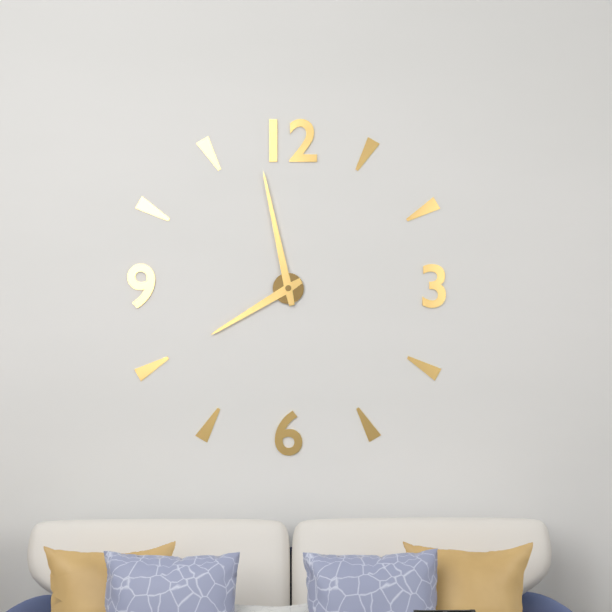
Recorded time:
h=7 m=58
